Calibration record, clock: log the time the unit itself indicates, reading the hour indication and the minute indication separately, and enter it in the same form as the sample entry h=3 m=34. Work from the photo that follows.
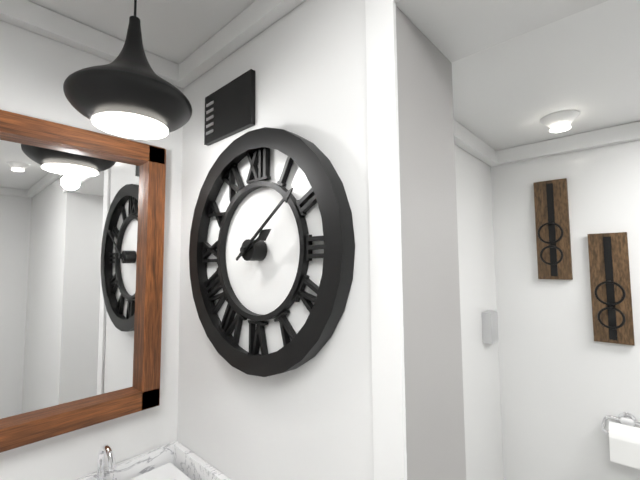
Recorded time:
h=2 m=9
